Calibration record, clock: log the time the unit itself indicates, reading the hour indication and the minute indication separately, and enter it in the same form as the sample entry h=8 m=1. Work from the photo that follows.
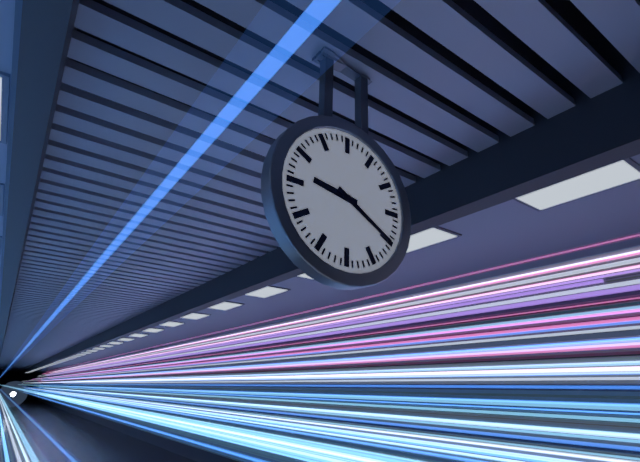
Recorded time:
h=9 m=20
